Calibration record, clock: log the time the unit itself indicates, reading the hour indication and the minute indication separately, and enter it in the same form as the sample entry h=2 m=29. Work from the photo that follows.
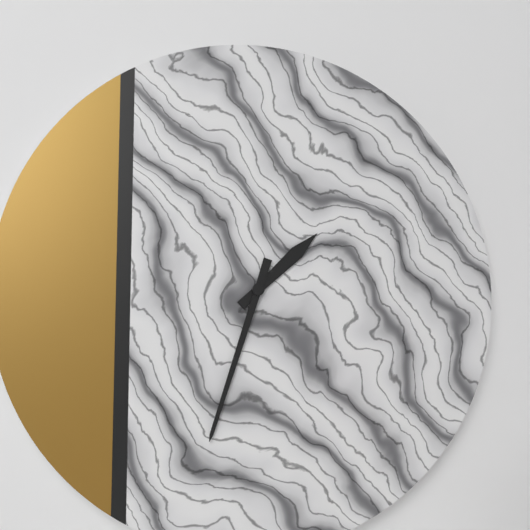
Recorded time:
h=1 m=33
